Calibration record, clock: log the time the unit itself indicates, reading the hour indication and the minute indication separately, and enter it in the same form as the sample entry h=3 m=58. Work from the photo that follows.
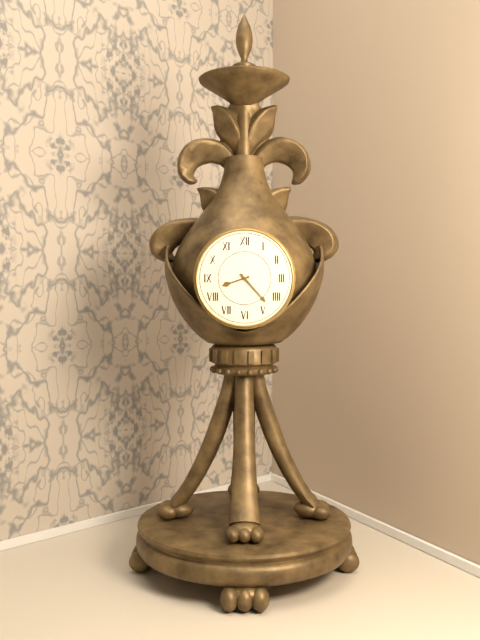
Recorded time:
h=8 m=23
